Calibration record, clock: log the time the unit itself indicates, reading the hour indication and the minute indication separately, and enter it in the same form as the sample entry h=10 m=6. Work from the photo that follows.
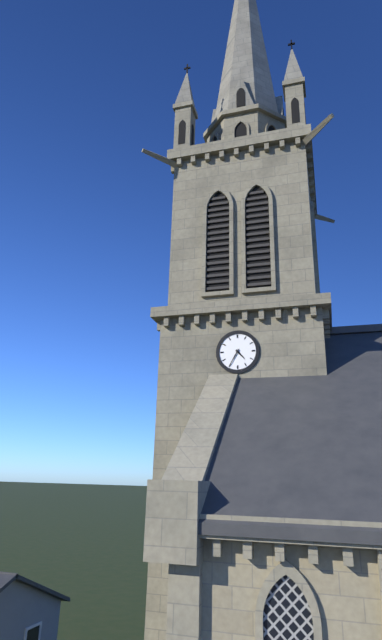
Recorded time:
h=4 m=35
